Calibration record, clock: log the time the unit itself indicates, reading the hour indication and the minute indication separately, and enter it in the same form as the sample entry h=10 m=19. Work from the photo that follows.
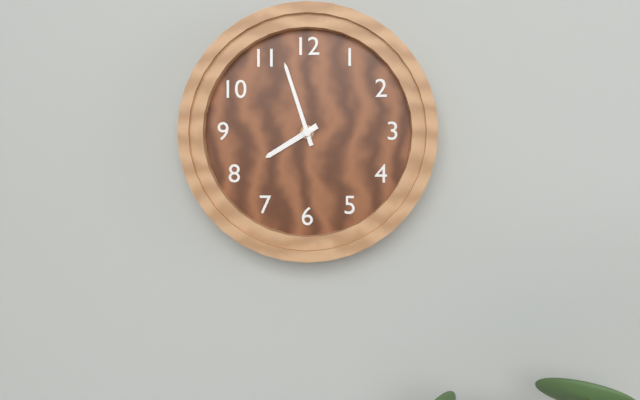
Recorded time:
h=7 m=57
